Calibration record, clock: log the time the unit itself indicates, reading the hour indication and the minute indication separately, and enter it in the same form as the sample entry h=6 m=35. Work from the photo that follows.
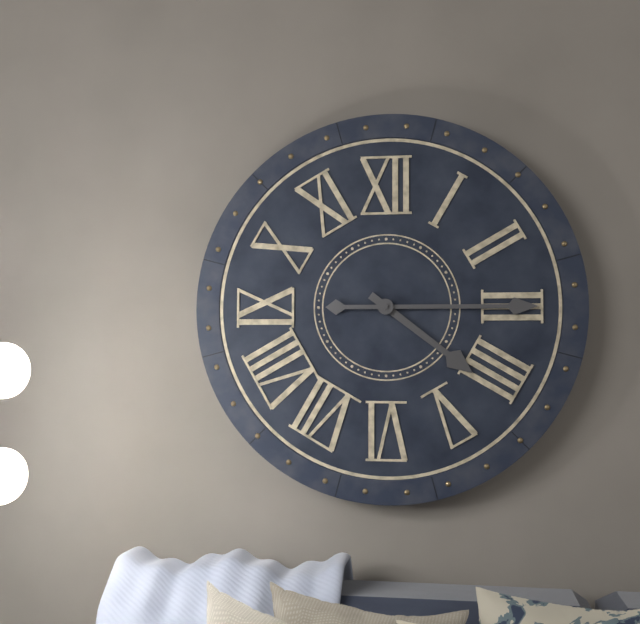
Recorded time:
h=4 m=15
